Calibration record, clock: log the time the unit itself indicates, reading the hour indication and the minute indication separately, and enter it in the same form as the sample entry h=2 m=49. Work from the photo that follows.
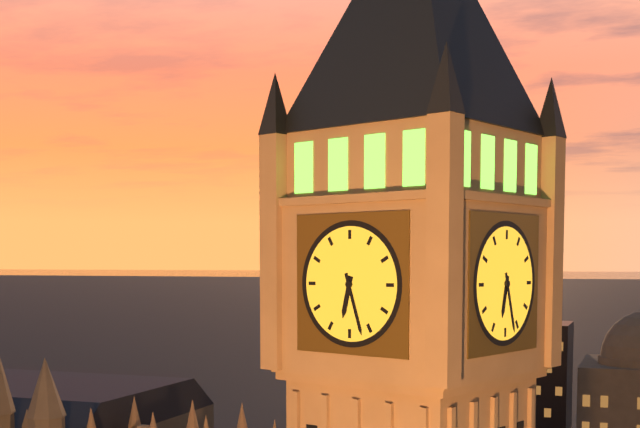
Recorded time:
h=6 m=27
